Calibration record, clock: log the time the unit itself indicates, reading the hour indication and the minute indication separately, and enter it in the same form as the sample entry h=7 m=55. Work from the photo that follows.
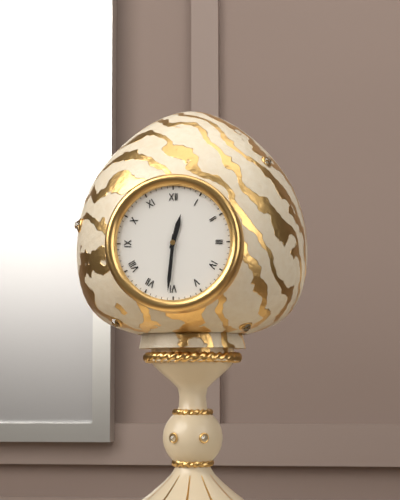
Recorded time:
h=12 m=31
